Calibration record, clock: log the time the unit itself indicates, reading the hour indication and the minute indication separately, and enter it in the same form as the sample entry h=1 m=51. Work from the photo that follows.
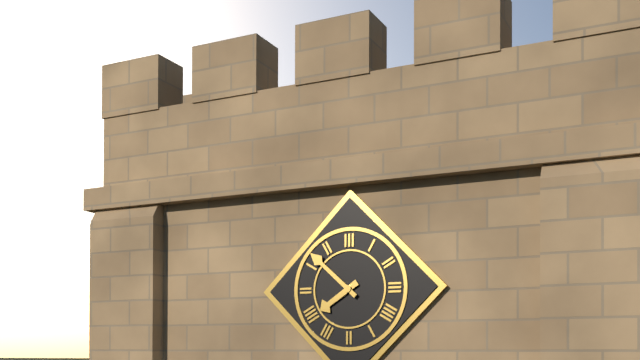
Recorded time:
h=7 m=52
